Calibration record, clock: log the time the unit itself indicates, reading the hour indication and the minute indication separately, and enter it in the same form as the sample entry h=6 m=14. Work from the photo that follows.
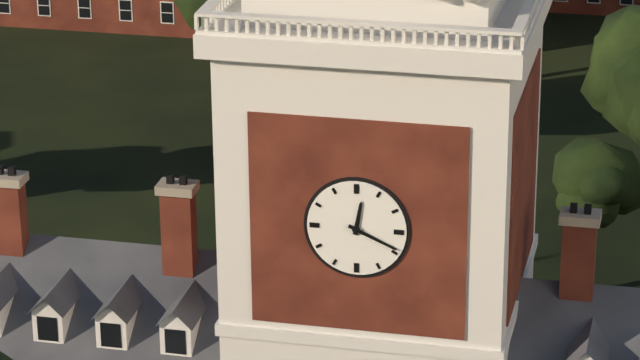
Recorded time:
h=12 m=19
